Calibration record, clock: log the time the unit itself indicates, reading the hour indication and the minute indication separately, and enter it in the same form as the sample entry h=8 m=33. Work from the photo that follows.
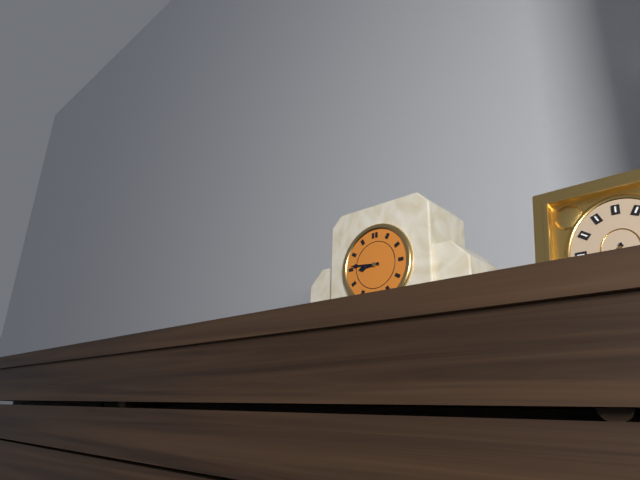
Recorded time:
h=8 m=46
